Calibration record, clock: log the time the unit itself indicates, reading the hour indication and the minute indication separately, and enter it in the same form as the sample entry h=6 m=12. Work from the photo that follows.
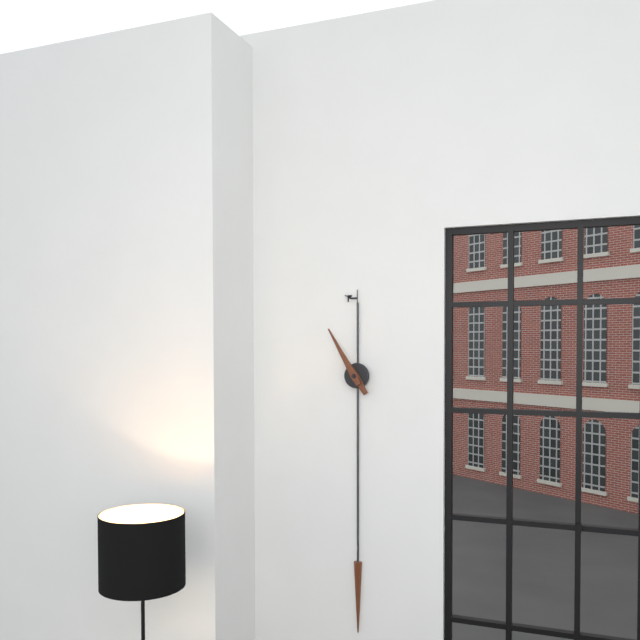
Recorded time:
h=10 m=55
